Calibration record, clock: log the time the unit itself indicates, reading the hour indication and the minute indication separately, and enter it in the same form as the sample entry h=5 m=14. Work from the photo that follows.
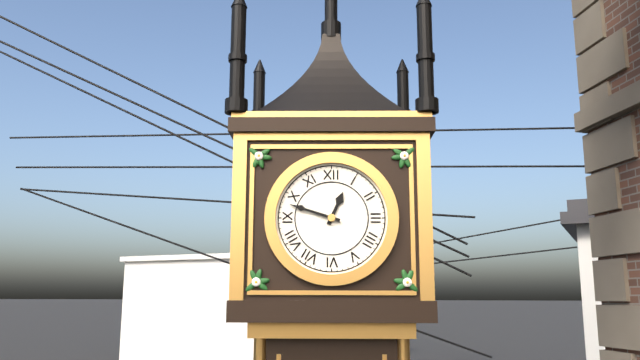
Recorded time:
h=12 m=48
